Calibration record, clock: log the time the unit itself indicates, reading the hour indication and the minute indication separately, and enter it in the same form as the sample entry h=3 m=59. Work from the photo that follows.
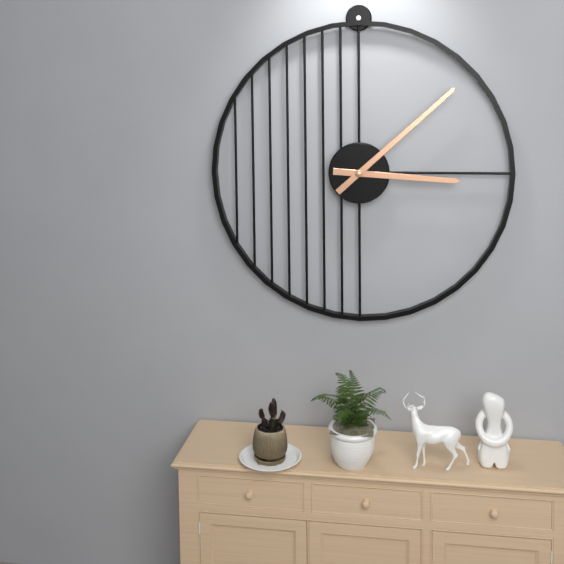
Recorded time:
h=3 m=8
